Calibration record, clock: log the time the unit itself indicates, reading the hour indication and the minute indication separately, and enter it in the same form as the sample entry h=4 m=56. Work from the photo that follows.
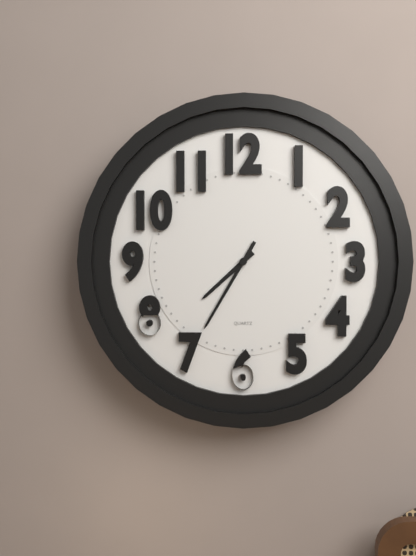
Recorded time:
h=7 m=35
